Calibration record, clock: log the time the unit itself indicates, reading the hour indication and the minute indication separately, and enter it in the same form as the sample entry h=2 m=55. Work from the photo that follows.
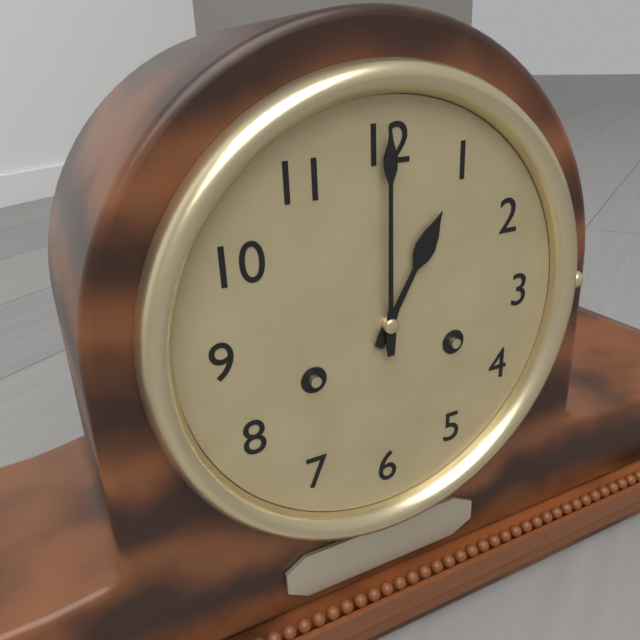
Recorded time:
h=1 m=0
